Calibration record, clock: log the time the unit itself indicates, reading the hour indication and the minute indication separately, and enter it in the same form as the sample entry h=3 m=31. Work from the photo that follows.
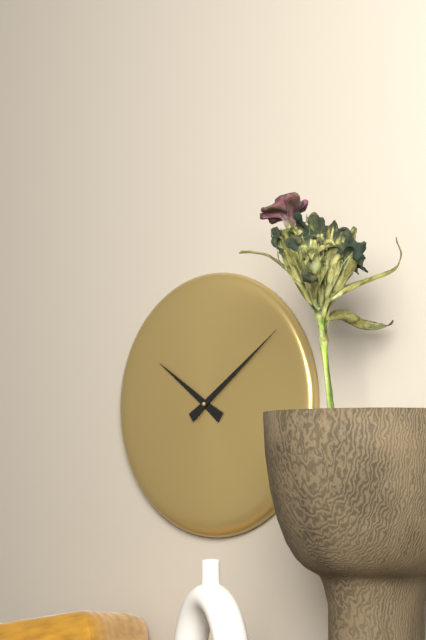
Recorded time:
h=10 m=9
